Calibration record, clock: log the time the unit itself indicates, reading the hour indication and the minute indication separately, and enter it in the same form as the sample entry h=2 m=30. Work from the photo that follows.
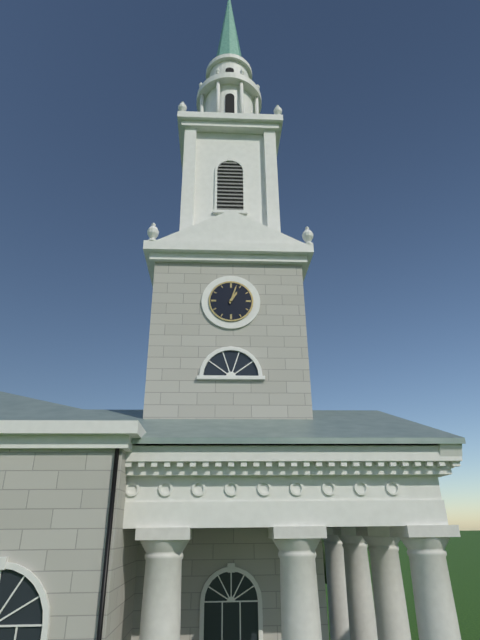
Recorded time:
h=1 m=3
